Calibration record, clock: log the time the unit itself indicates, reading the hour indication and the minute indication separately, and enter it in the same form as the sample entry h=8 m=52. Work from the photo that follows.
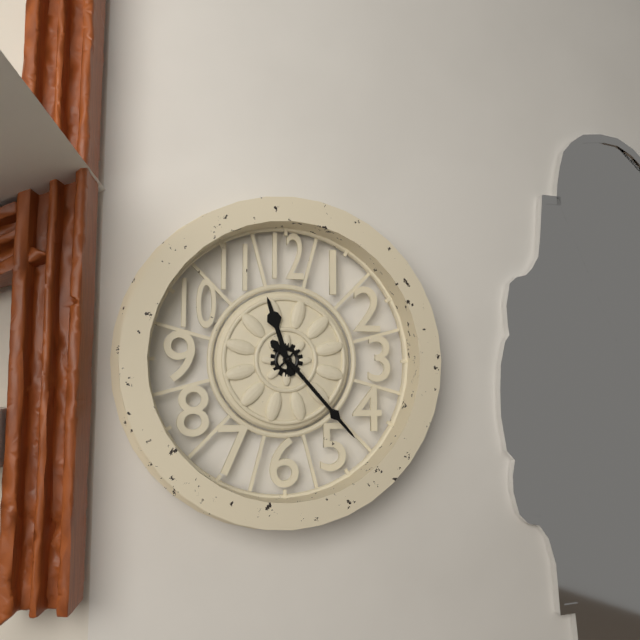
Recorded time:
h=11 m=23
